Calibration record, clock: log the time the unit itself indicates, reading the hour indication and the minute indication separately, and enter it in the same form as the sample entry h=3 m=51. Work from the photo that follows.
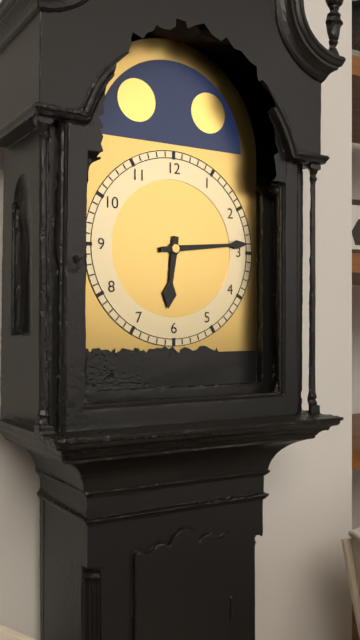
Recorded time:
h=6 m=14
